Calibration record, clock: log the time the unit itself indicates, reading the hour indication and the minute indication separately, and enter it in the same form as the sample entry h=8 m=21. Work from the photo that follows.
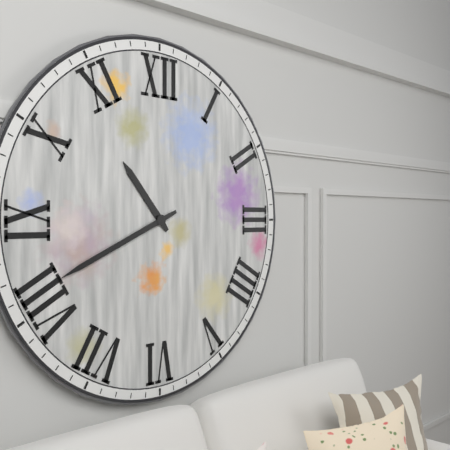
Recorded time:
h=10 m=41
